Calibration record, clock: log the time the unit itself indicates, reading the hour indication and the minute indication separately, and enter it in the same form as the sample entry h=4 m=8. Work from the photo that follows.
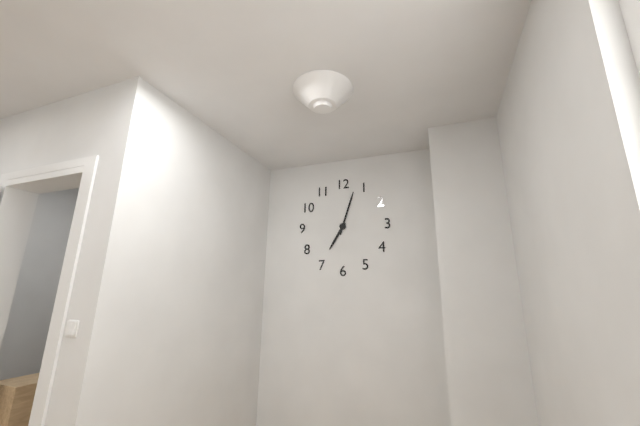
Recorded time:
h=7 m=3
